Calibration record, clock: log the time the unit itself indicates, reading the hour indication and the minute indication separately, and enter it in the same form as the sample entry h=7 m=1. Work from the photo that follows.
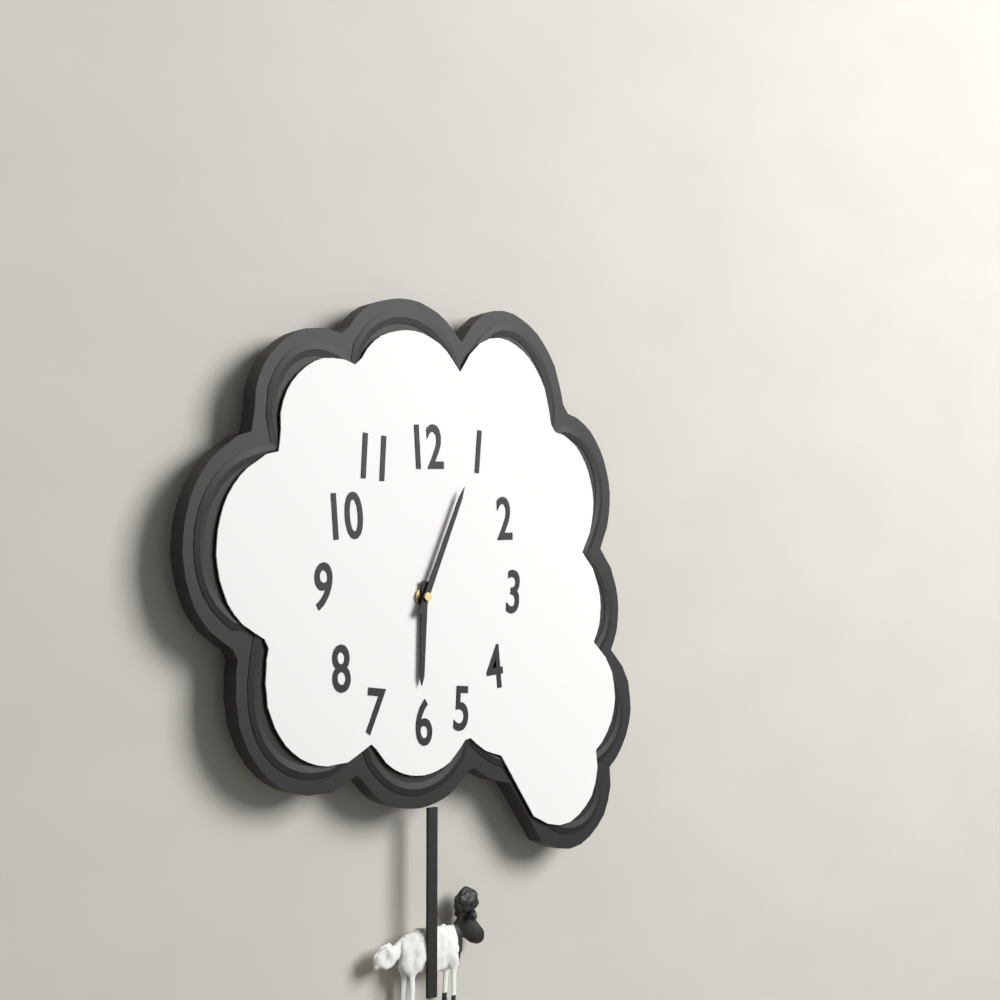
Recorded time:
h=6 m=4
